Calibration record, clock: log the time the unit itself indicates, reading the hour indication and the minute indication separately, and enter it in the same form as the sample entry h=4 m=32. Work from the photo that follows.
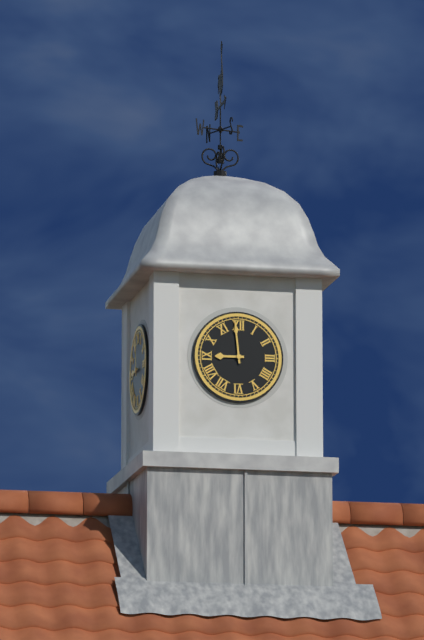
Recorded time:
h=8 m=59
